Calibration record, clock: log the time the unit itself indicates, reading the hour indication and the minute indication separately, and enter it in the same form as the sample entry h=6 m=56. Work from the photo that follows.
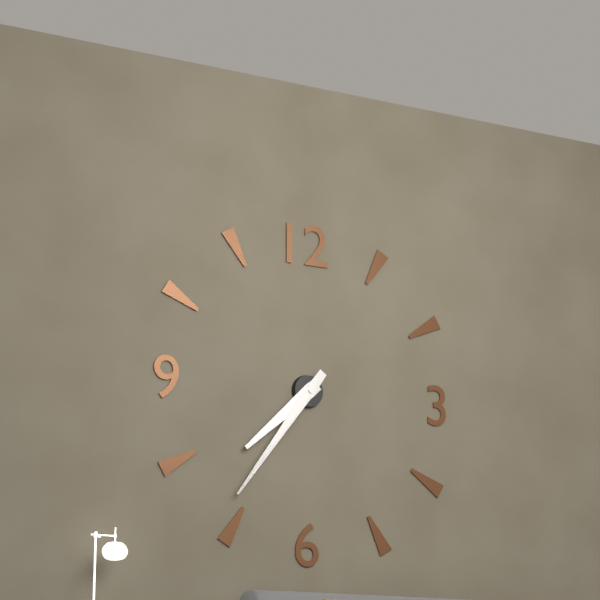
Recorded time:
h=7 m=36
